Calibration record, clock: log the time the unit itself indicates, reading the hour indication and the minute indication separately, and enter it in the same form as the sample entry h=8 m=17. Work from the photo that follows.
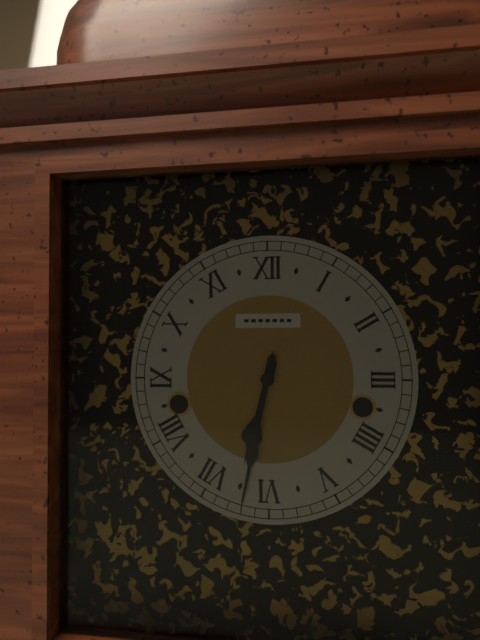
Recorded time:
h=6 m=32
